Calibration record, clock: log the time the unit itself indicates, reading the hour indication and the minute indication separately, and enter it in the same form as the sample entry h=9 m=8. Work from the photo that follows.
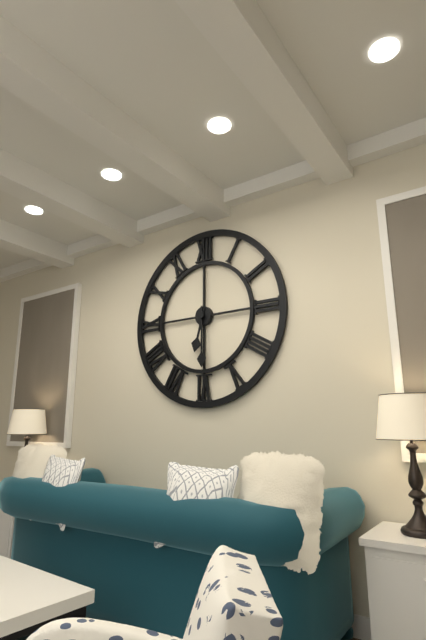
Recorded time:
h=6 m=30
